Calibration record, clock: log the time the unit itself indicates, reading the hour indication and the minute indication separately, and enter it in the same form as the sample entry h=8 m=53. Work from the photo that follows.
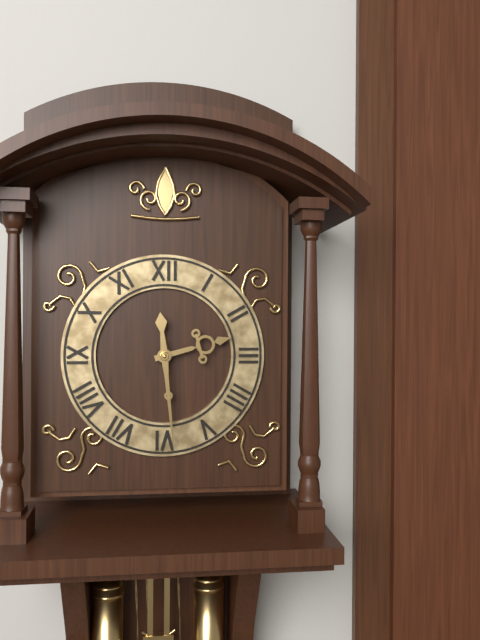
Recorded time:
h=2 m=29
